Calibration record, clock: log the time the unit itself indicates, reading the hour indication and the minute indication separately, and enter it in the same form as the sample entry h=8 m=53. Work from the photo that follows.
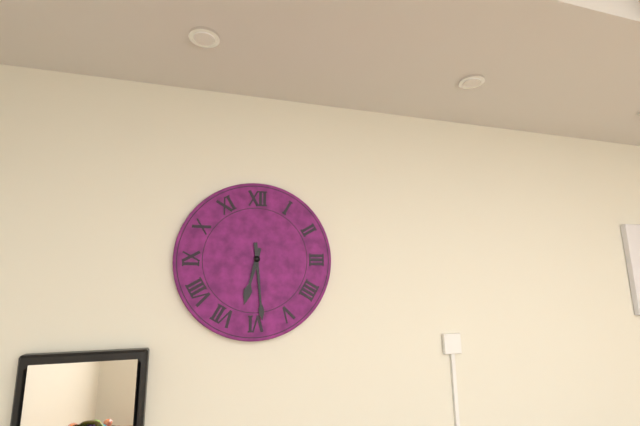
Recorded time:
h=6 m=29
